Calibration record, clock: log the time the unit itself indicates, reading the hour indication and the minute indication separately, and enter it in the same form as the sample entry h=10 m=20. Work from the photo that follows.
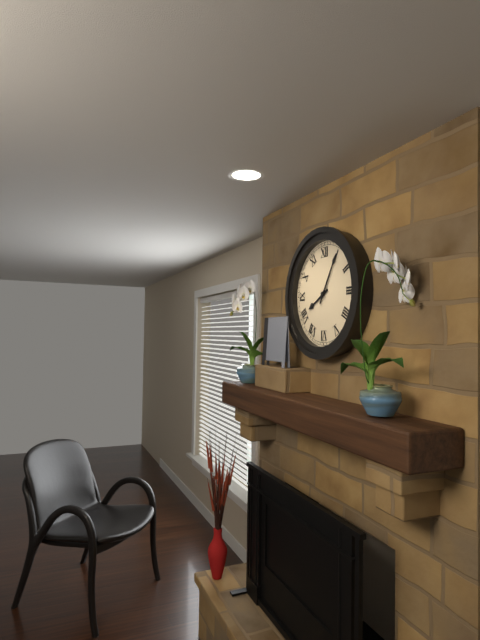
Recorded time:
h=8 m=5
